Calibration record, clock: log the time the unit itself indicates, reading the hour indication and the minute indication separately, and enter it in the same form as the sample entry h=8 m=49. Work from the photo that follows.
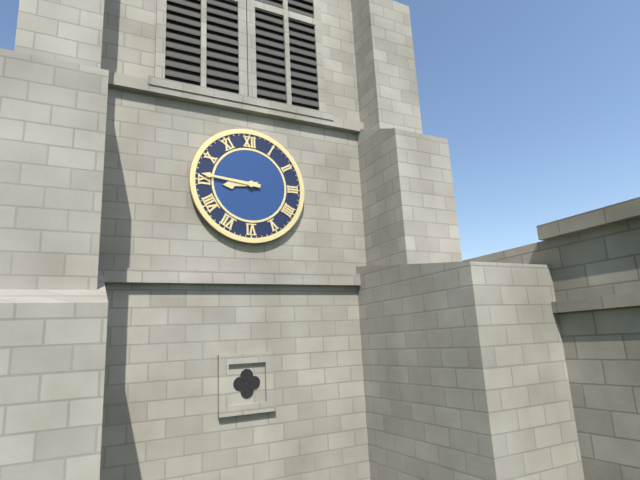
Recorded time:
h=8 m=46
